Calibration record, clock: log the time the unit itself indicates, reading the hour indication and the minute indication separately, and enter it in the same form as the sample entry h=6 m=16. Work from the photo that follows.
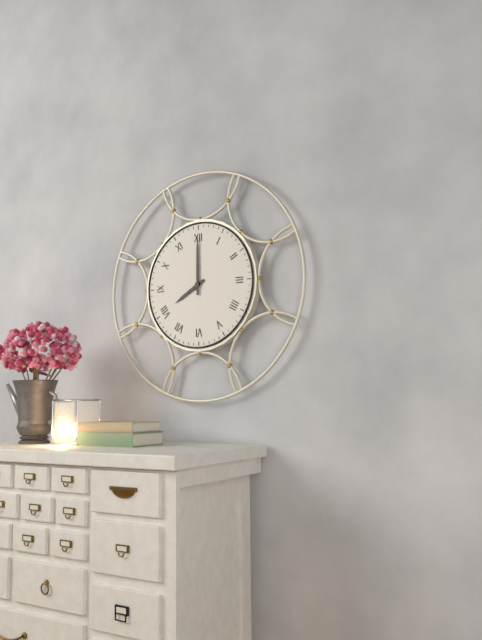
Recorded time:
h=8 m=0
